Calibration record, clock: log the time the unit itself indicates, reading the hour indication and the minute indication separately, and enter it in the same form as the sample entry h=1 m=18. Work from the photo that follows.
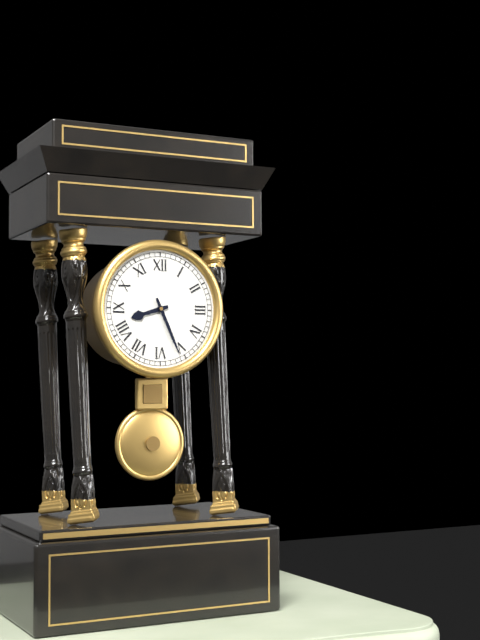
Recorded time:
h=8 m=26
